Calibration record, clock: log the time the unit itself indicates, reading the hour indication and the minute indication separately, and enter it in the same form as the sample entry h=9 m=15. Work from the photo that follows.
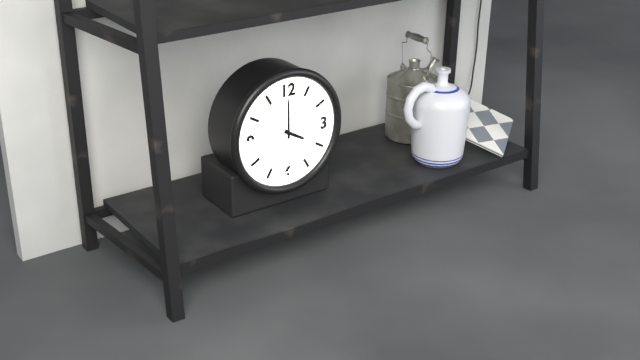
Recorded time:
h=4 m=0
